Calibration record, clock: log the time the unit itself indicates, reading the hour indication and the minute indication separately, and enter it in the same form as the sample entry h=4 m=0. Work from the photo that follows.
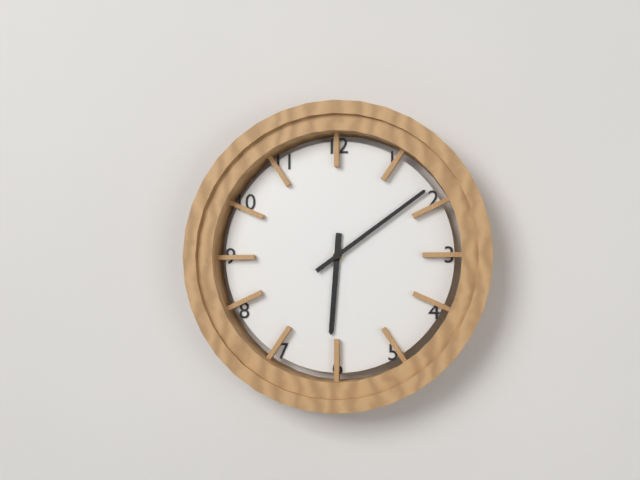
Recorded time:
h=6 m=9
